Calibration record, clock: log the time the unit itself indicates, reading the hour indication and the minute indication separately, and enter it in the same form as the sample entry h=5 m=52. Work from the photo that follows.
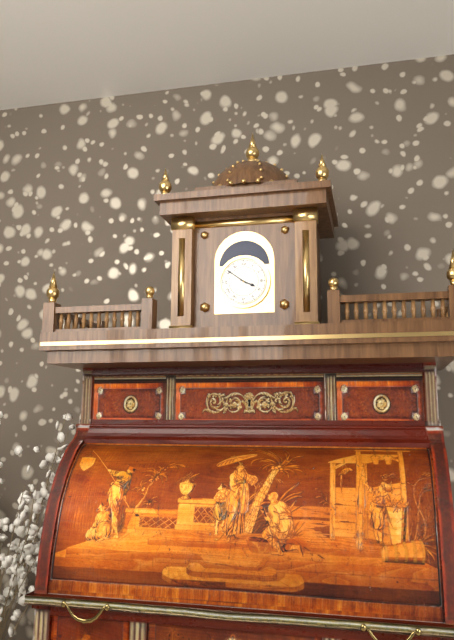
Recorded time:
h=3 m=51
